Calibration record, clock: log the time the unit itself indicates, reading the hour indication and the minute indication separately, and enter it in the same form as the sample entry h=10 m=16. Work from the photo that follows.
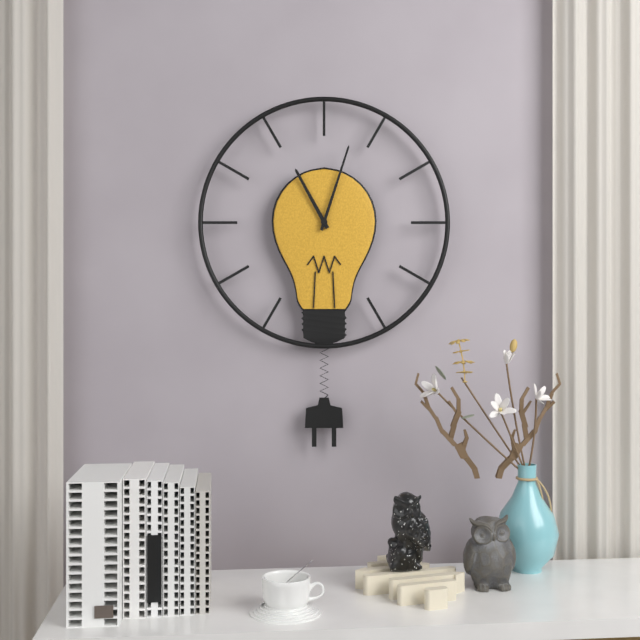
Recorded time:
h=11 m=3
